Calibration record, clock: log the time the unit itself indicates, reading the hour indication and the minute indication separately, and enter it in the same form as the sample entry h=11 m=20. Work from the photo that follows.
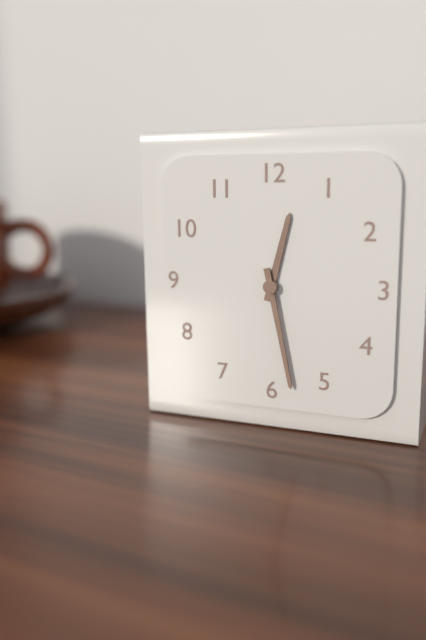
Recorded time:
h=12 m=28
